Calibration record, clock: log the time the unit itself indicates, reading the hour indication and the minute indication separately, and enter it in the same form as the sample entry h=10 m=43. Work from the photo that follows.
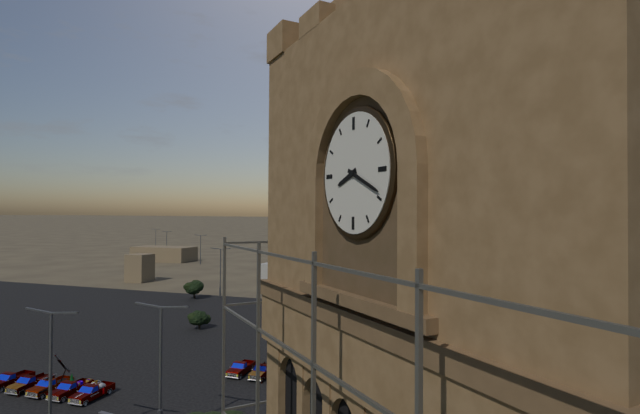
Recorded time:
h=8 m=19
